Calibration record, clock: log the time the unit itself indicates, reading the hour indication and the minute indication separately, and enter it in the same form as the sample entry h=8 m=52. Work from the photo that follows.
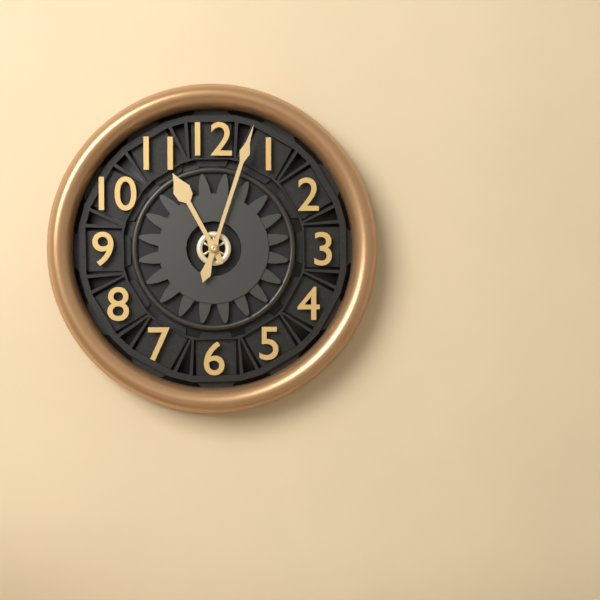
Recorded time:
h=11 m=3
